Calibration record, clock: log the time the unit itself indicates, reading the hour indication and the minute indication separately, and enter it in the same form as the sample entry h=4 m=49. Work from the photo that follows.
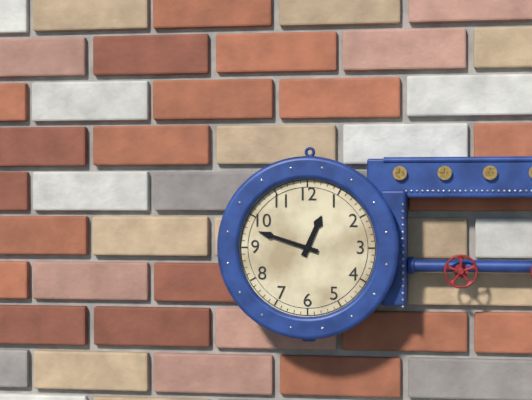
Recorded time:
h=12 m=48
